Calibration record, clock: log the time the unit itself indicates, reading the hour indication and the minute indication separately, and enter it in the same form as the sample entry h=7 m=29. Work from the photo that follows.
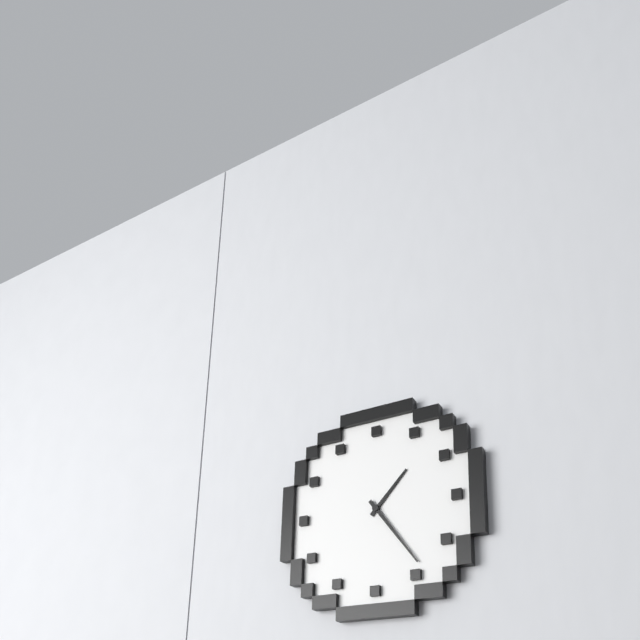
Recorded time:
h=1 m=24
